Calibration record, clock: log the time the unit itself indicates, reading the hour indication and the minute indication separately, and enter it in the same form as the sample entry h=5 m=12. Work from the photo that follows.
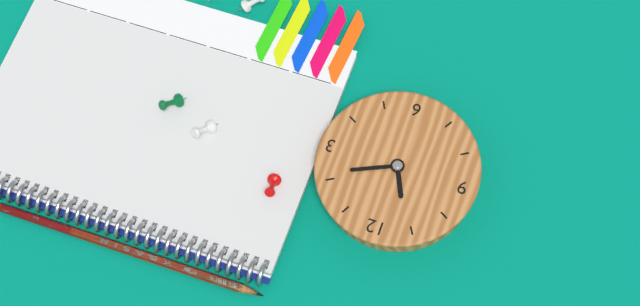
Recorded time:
h=11 m=11
